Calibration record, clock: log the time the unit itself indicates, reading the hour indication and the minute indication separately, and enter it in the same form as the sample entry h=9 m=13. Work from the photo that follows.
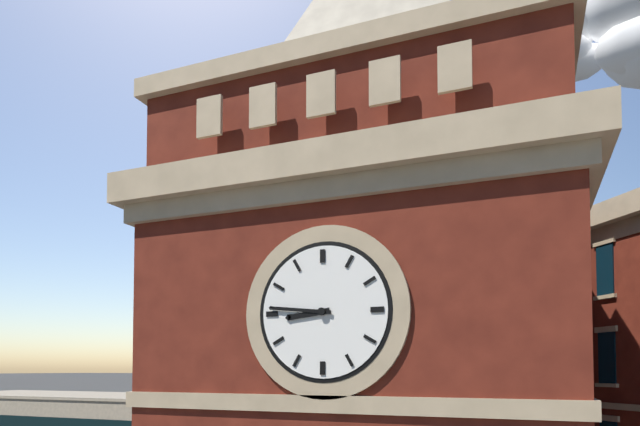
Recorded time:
h=8 m=46
